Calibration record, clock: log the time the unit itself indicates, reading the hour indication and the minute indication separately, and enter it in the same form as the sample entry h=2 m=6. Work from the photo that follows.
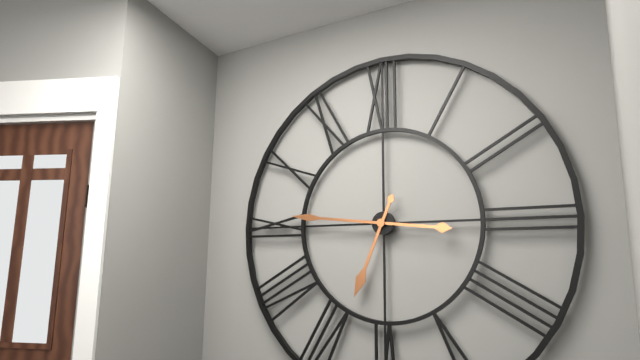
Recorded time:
h=6 m=46
